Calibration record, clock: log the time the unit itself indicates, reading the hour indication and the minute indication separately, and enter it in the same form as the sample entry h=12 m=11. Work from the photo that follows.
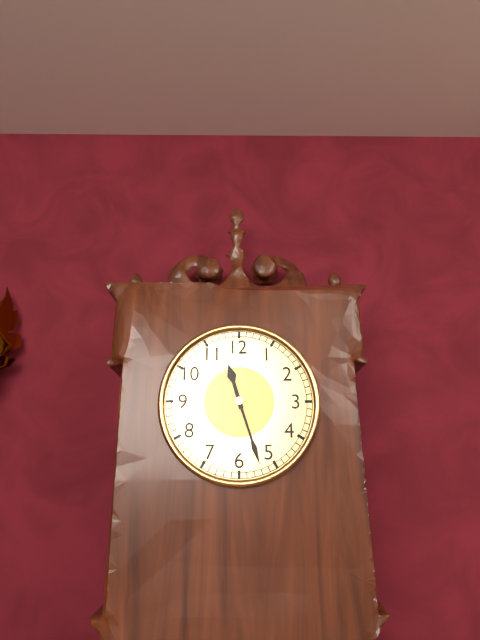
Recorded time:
h=11 m=27
